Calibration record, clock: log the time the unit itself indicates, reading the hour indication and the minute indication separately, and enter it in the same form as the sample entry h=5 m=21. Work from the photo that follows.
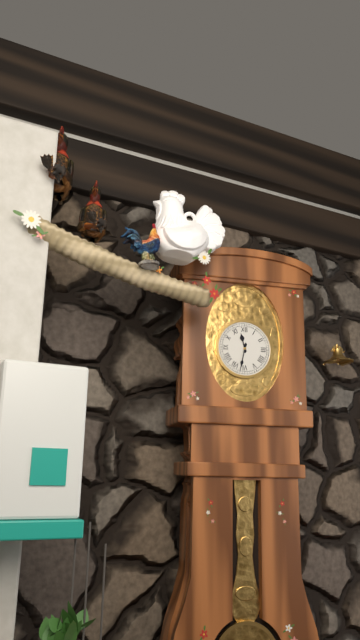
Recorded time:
h=11 m=32
